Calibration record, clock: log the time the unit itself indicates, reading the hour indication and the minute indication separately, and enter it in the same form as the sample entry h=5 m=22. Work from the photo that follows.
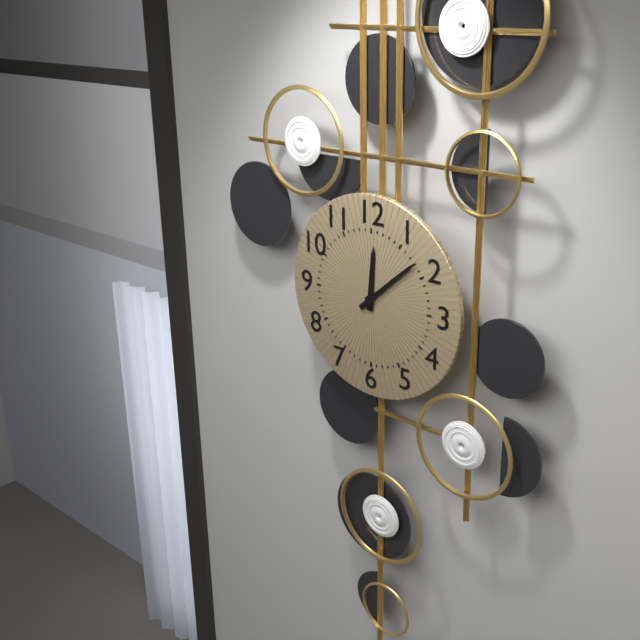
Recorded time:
h=12 m=8
